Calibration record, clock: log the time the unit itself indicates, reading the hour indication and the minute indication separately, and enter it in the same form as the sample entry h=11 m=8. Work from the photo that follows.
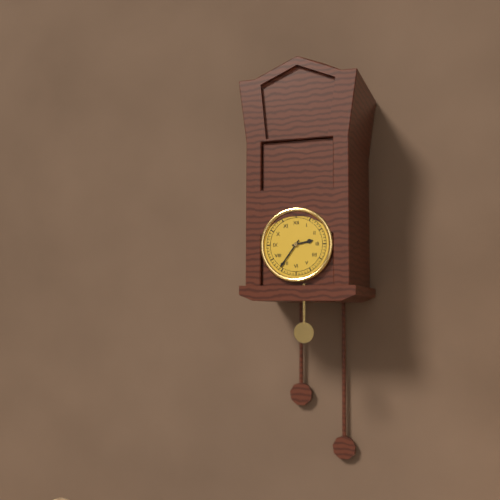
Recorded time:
h=2 m=36
